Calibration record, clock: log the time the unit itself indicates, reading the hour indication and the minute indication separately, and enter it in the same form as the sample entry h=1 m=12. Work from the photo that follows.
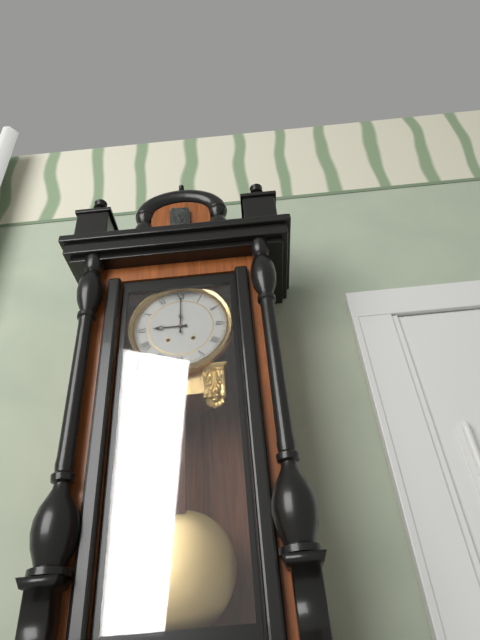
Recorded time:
h=9 m=0
